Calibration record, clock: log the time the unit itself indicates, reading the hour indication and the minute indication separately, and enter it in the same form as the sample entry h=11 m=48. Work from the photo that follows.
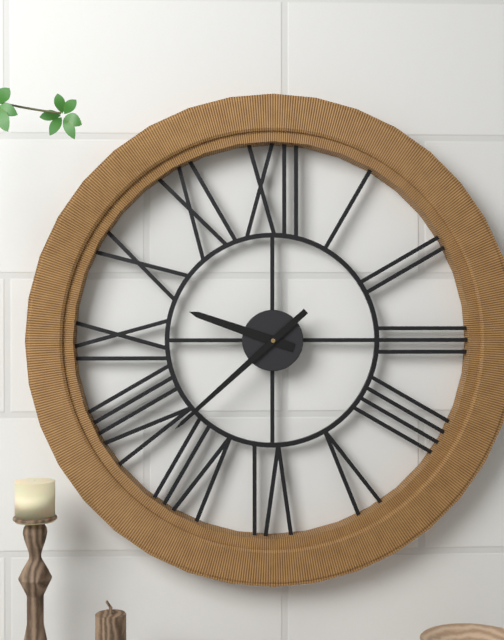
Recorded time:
h=9 m=38
